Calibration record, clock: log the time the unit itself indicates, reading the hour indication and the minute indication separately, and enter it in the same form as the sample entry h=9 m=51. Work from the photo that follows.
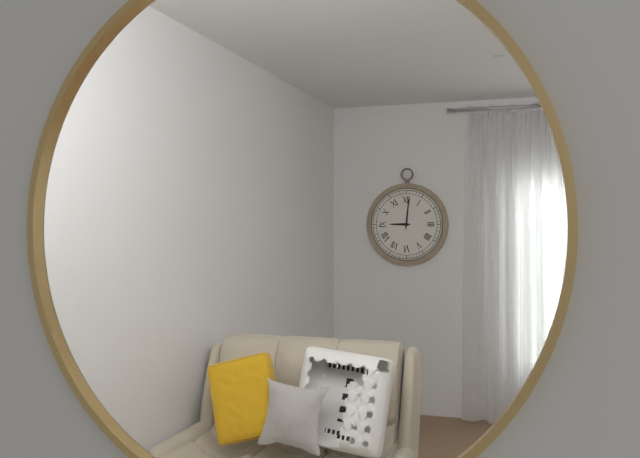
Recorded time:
h=9 m=1
